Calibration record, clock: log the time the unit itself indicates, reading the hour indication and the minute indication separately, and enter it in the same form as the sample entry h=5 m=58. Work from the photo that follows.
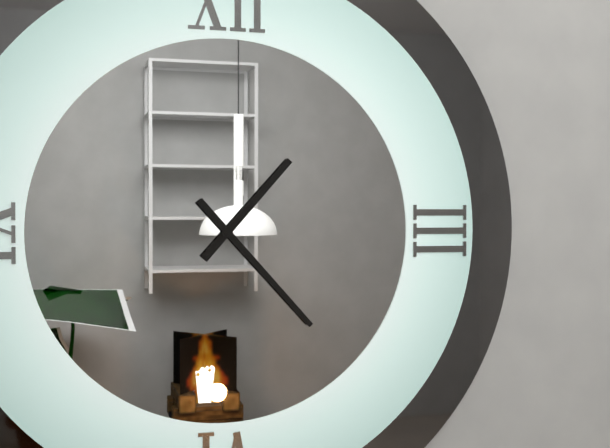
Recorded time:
h=1 m=23
